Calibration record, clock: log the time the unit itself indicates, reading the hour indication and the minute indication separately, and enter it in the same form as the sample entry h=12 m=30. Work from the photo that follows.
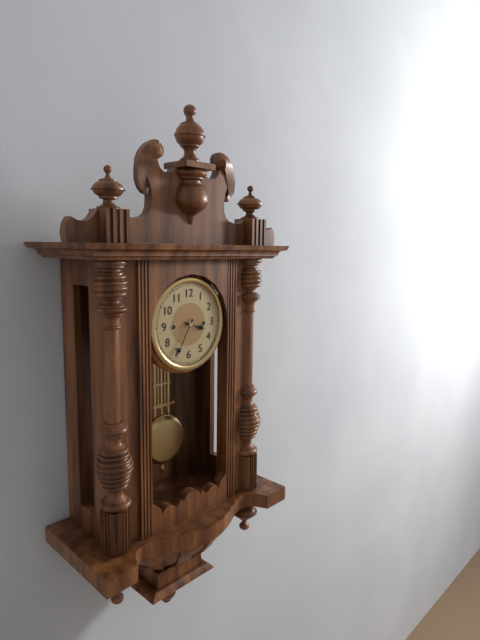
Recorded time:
h=3 m=35
